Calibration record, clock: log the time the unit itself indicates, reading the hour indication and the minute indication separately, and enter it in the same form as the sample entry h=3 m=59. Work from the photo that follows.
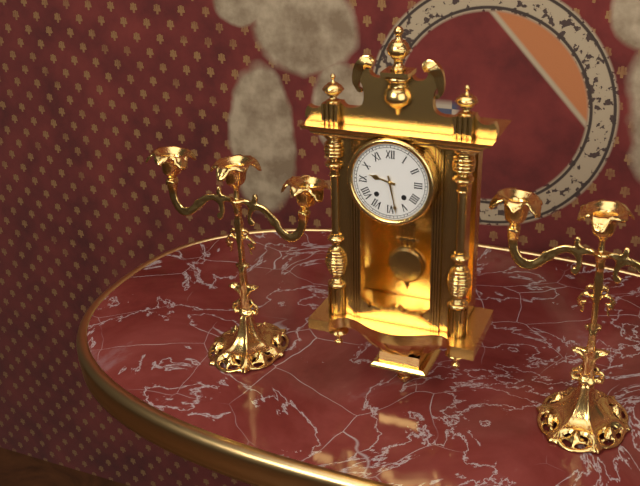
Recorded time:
h=9 m=28
